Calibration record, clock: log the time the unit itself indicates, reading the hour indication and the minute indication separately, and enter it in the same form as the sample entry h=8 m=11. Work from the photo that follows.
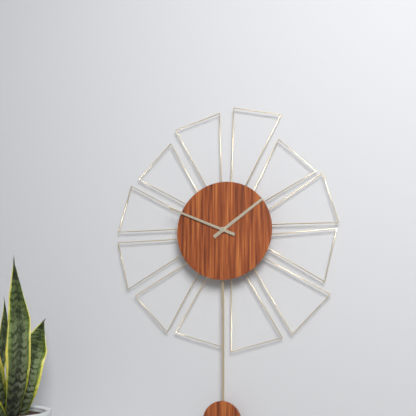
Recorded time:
h=1 m=49
